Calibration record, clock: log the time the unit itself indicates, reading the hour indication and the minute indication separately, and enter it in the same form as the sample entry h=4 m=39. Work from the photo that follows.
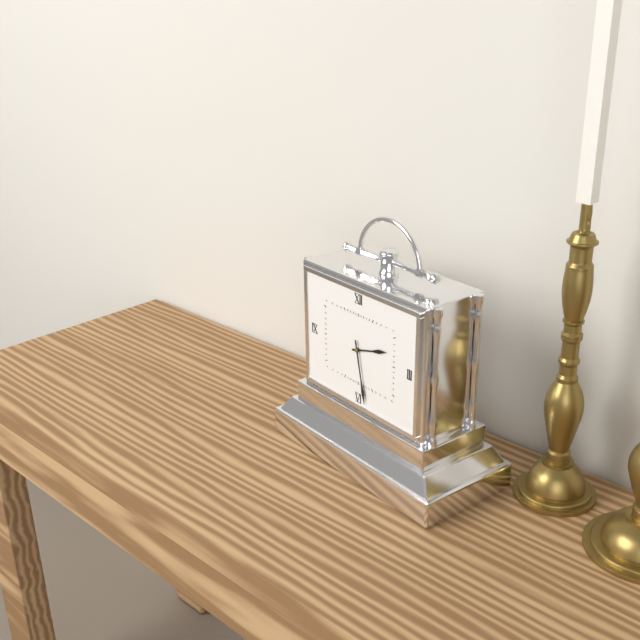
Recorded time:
h=2 m=28
